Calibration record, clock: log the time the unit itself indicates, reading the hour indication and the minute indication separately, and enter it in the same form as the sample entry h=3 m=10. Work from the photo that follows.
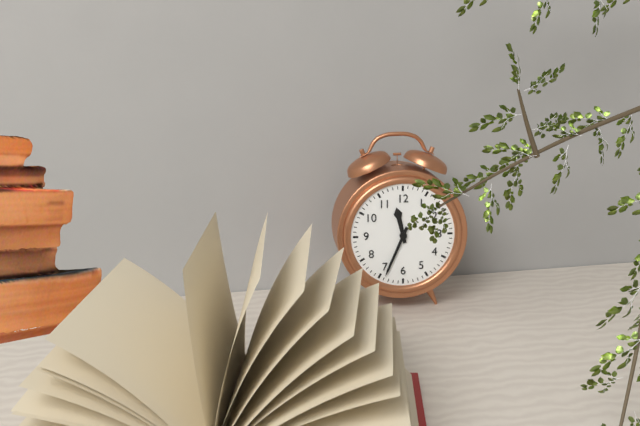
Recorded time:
h=11 m=34
